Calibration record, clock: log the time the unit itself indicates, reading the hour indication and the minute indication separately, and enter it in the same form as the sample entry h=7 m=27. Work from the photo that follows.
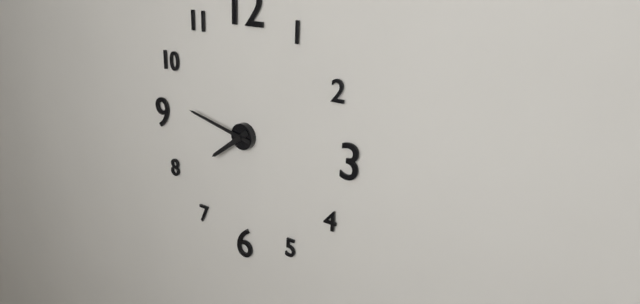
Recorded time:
h=7 m=47
